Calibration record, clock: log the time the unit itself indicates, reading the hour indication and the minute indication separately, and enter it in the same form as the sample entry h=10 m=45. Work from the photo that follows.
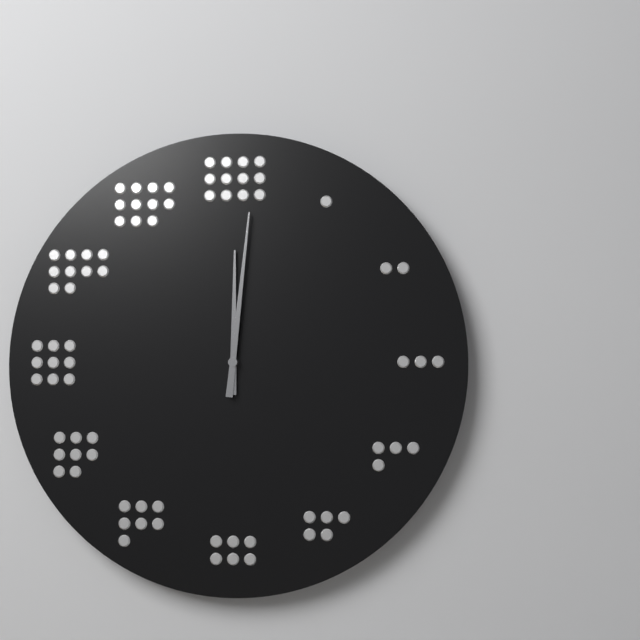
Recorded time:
h=12 m=1
